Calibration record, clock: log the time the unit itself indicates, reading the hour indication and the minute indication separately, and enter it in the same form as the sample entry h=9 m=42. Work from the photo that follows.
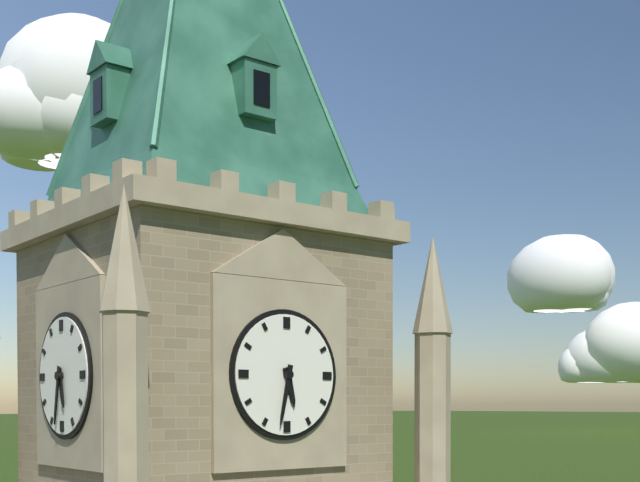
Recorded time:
h=5 m=32
